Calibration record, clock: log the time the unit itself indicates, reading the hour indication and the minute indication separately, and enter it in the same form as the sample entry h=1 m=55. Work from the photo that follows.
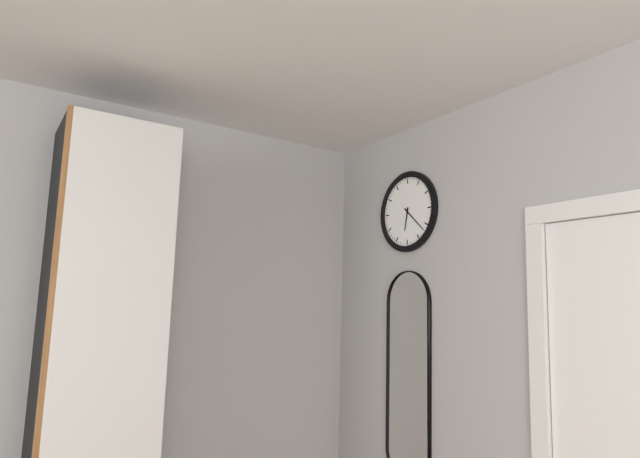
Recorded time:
h=6 m=22
